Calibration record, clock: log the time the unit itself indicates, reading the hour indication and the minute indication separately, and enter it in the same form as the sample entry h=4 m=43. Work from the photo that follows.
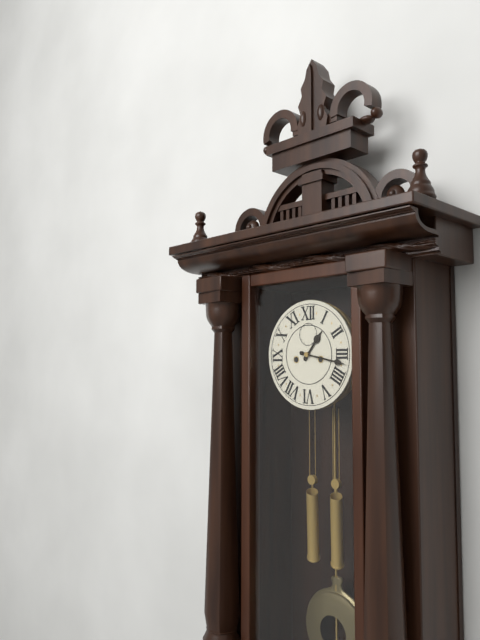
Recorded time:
h=1 m=17
